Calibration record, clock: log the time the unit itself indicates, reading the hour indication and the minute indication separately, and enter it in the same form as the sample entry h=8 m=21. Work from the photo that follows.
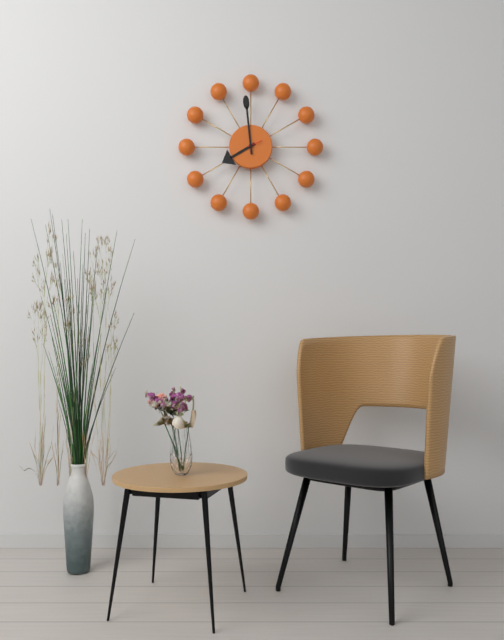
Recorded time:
h=7 m=59
